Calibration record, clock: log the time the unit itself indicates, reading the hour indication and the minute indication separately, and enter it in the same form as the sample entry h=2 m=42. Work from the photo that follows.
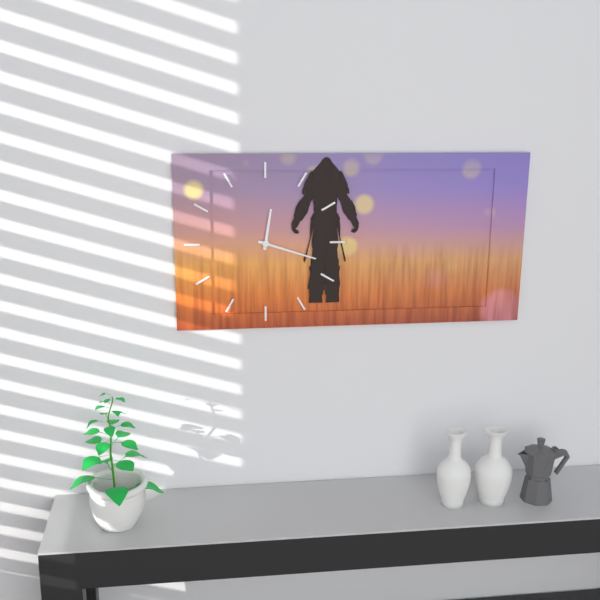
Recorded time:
h=12 m=18
